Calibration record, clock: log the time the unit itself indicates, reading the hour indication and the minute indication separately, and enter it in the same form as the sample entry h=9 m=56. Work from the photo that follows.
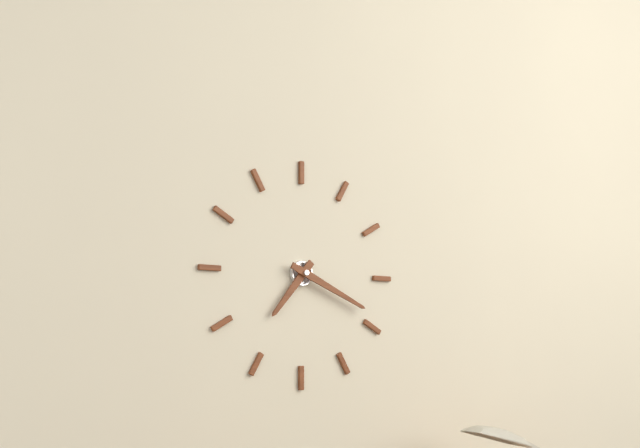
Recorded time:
h=7 m=19
